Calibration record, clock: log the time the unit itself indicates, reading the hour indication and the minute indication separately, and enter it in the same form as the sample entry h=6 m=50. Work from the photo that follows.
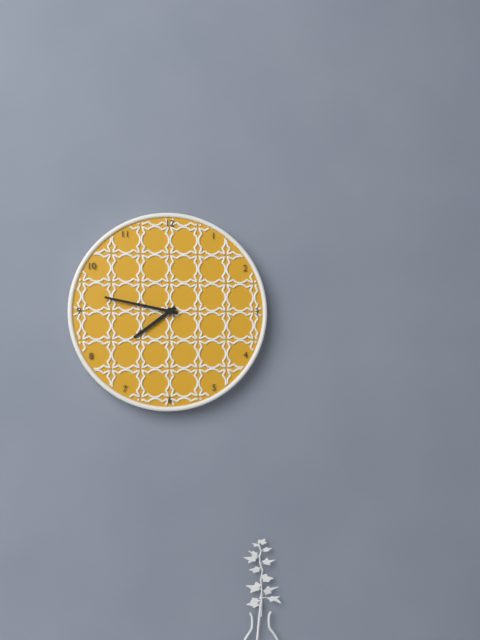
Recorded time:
h=7 m=47
